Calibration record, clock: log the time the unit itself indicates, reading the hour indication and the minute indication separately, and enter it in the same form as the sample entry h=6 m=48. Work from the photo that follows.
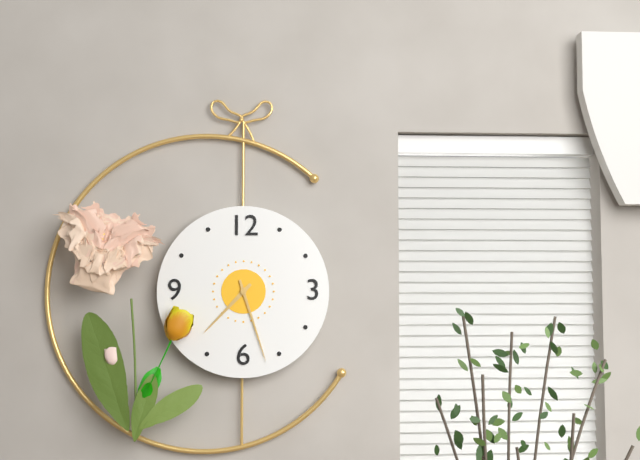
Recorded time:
h=7 m=27
